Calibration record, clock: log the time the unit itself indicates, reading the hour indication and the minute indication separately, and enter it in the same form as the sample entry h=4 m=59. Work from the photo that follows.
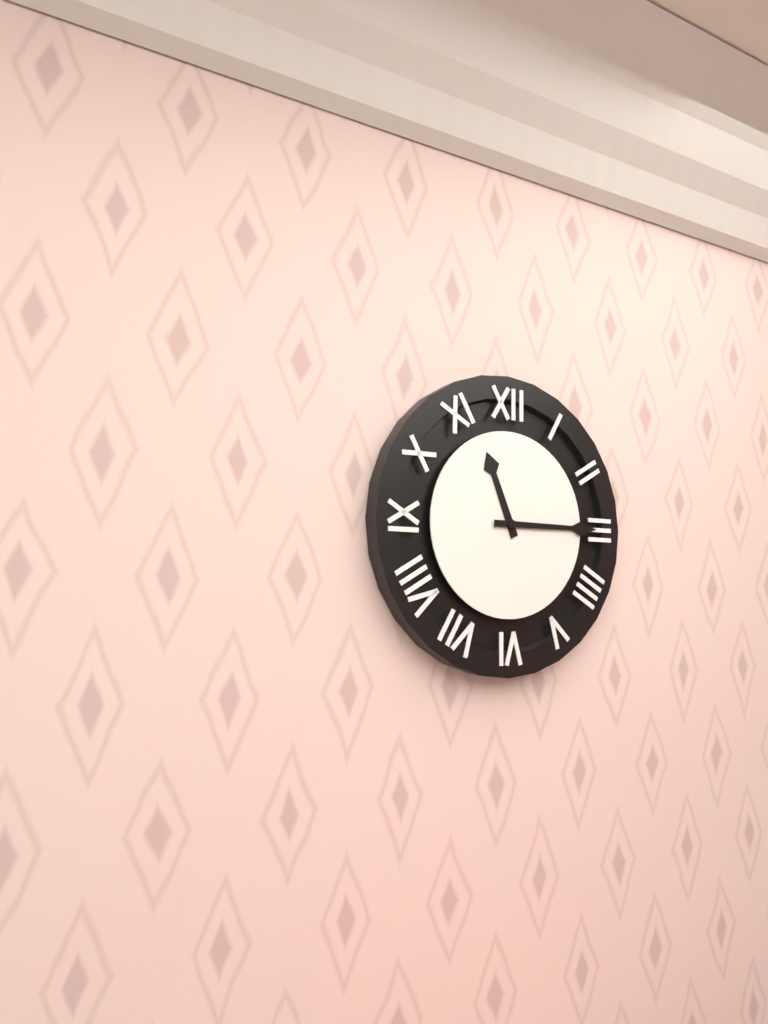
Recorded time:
h=11 m=15
